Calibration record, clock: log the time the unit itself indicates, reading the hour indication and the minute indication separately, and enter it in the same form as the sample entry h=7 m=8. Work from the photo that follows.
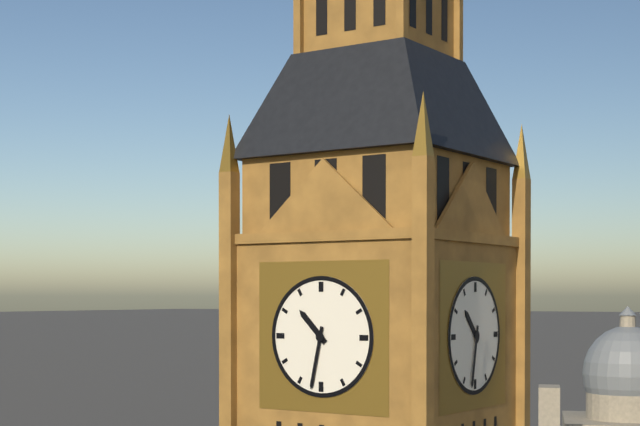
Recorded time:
h=10 m=32
